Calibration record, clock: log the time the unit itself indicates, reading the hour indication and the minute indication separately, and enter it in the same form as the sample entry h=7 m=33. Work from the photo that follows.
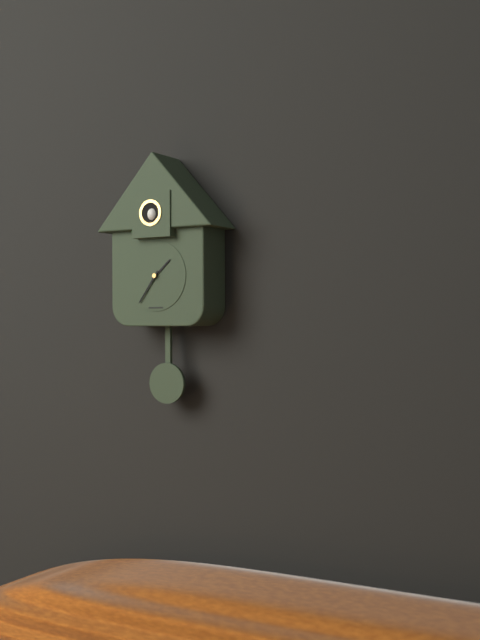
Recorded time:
h=1 m=36
